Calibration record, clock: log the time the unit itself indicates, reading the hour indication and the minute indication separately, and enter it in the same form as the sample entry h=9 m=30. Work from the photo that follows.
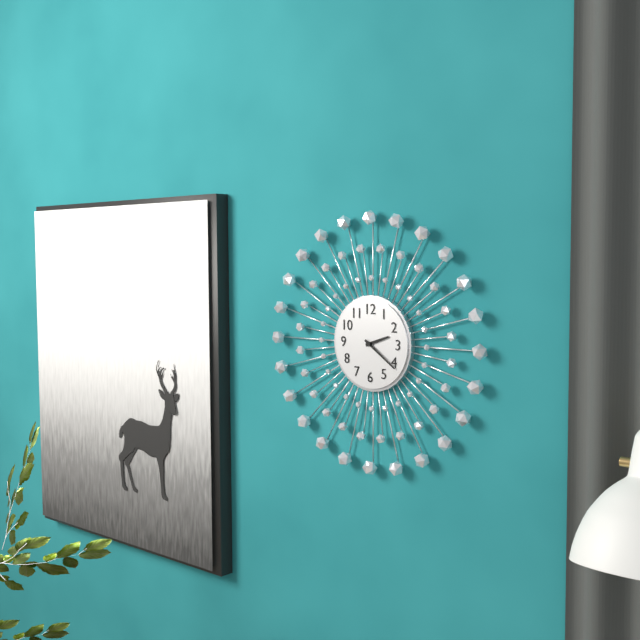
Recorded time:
h=2 m=21
